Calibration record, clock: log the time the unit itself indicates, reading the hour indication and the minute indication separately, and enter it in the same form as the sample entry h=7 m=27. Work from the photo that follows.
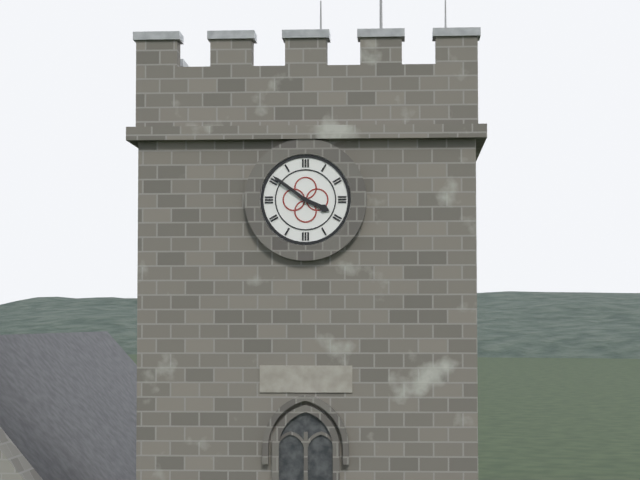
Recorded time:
h=3 m=51
